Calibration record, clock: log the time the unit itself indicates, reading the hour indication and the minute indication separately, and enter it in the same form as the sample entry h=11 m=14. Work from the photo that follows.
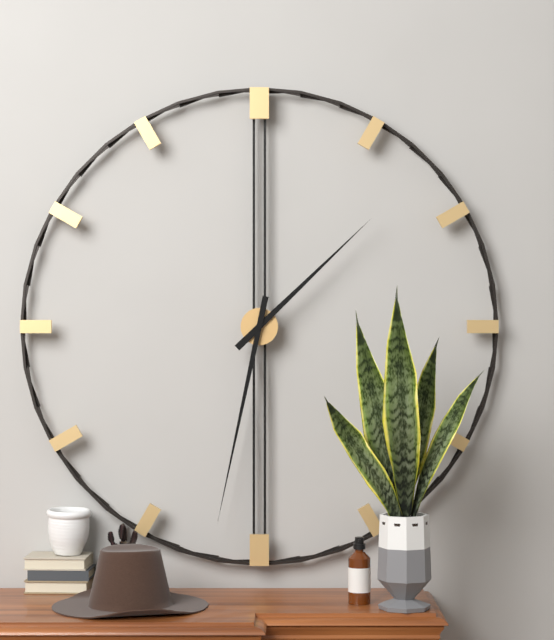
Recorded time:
h=1 m=32
